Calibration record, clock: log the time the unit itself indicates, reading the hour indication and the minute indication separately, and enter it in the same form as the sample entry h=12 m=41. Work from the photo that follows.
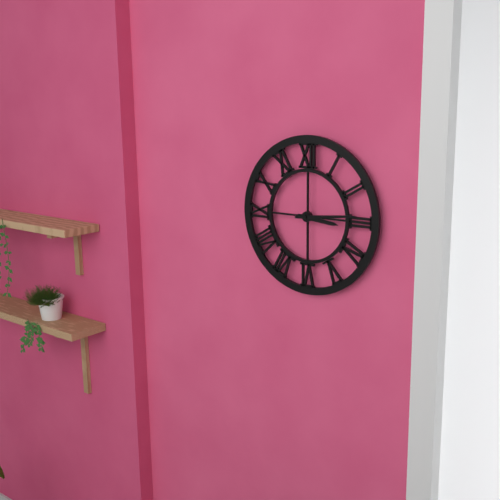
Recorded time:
h=3 m=14
